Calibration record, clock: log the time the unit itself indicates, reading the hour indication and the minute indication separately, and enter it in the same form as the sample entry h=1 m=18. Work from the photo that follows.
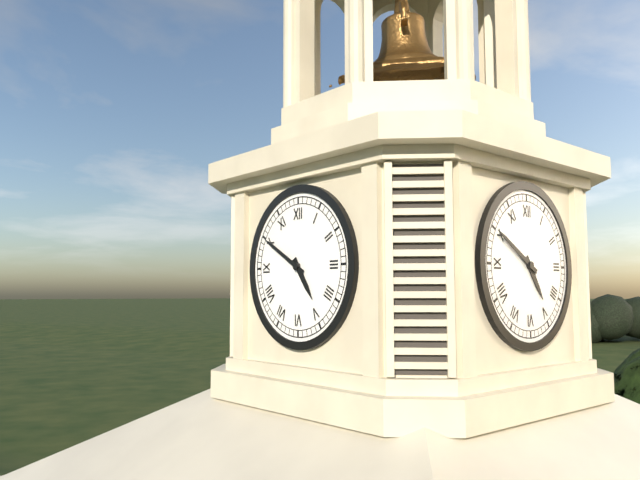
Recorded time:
h=4 m=50
